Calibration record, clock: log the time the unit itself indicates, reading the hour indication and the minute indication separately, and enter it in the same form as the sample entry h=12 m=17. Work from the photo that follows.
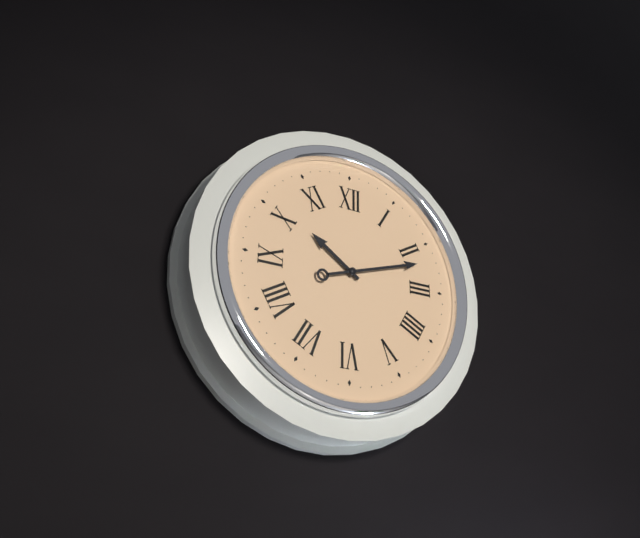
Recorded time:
h=10 m=12
